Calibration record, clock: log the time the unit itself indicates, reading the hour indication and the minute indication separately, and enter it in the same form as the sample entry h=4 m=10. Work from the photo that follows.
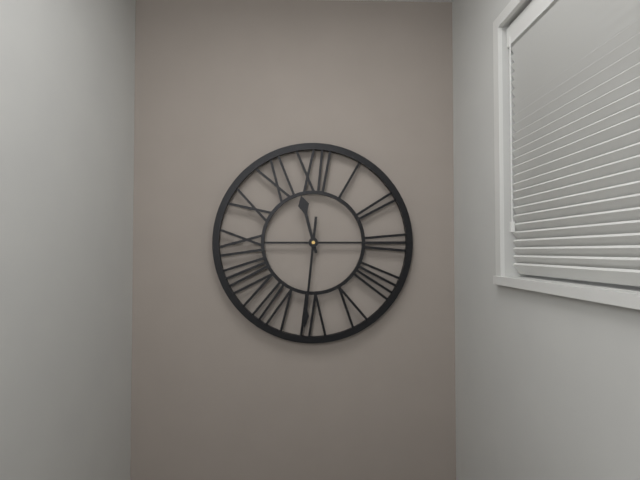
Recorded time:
h=11 m=31
